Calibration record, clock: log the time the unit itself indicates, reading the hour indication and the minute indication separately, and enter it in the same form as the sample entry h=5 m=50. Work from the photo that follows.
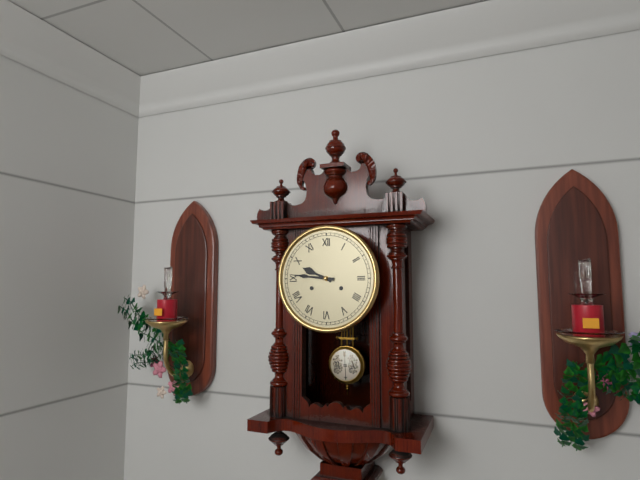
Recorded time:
h=9 m=46
